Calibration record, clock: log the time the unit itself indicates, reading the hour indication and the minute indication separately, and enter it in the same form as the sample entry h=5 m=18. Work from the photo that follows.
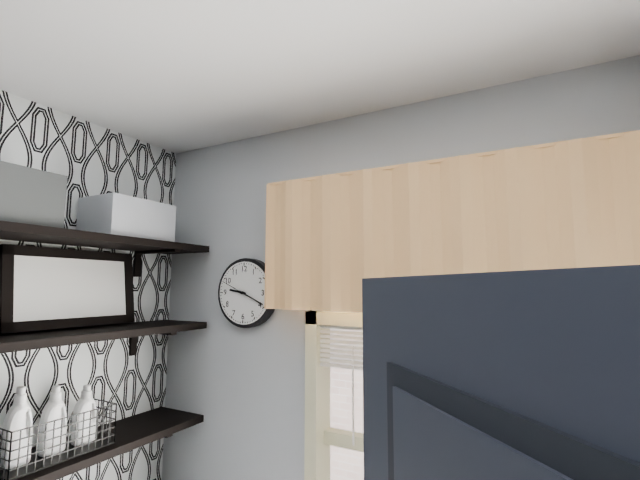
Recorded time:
h=9 m=19
